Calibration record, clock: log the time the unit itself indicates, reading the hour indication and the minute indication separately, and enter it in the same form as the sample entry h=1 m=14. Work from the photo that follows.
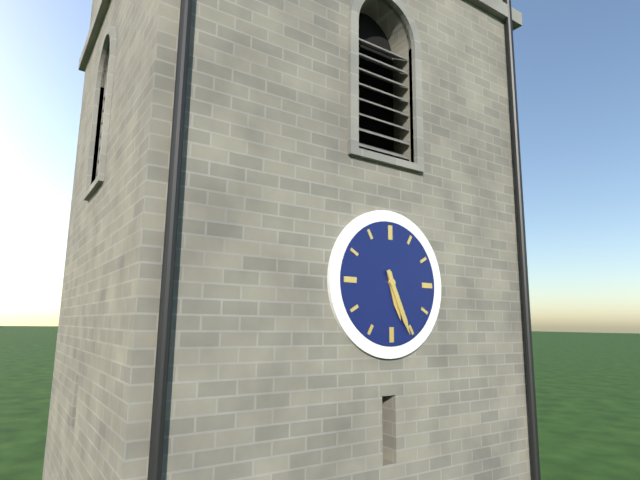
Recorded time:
h=5 m=26
